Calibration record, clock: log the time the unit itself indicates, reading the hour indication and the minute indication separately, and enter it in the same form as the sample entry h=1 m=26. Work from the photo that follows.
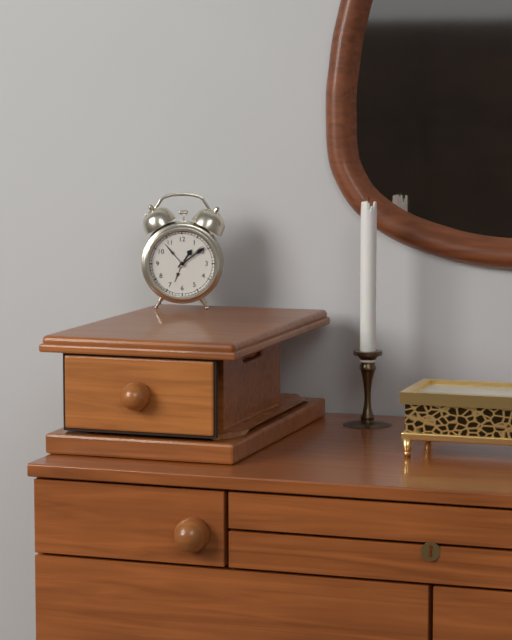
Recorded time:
h=1 m=9
